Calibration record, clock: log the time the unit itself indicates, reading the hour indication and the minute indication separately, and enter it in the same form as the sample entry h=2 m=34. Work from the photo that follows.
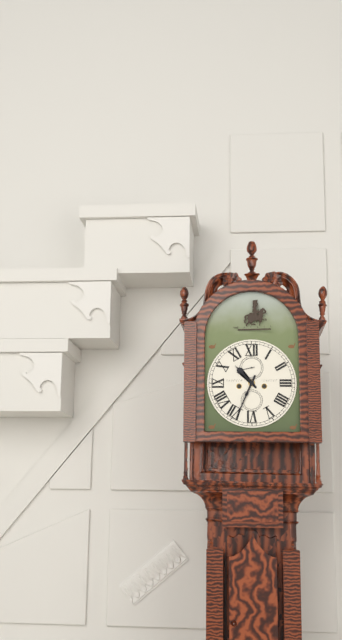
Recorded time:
h=10 m=34
